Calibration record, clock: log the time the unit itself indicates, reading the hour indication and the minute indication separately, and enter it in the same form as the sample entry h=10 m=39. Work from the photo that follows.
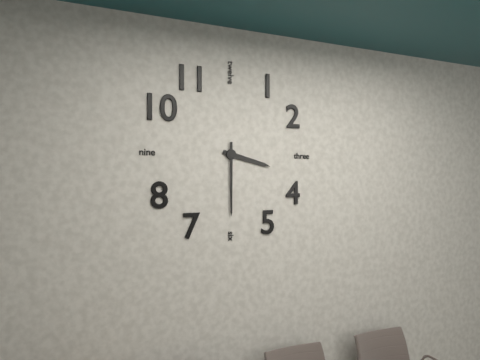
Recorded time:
h=3 m=30
